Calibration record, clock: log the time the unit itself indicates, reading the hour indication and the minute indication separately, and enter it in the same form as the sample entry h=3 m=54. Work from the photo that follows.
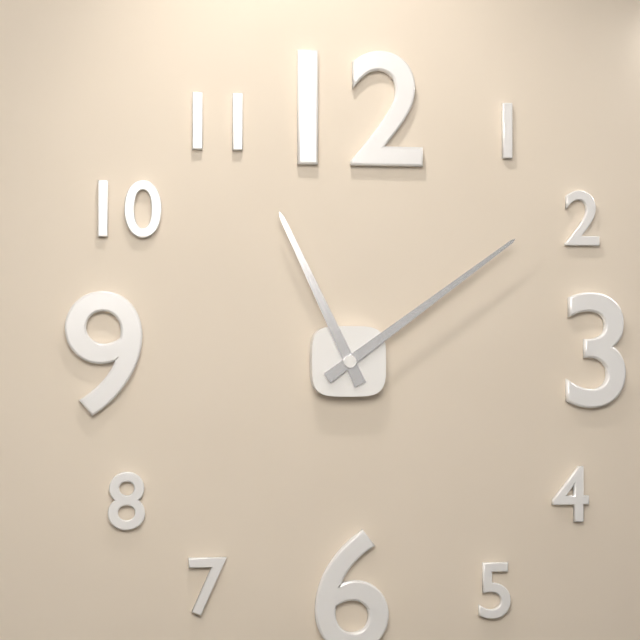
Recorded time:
h=11 m=9
